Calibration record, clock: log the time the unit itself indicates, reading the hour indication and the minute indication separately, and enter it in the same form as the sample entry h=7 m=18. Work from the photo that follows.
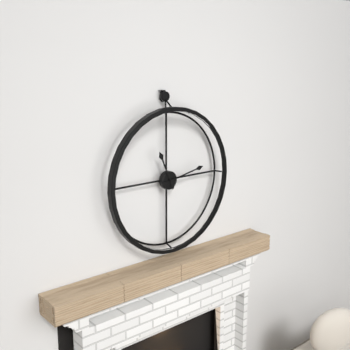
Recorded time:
h=11 m=13
